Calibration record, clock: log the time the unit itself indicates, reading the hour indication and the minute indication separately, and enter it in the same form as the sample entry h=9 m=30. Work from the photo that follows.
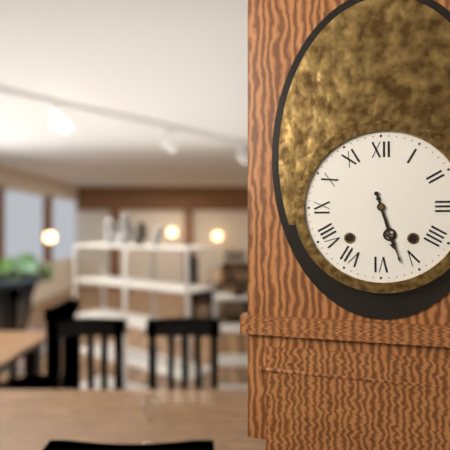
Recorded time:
h=5 m=27
